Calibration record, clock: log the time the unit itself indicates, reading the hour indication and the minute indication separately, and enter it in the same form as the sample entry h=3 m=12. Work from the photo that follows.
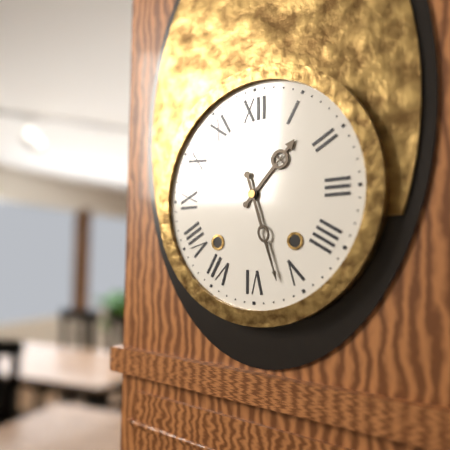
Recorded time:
h=1 m=27
